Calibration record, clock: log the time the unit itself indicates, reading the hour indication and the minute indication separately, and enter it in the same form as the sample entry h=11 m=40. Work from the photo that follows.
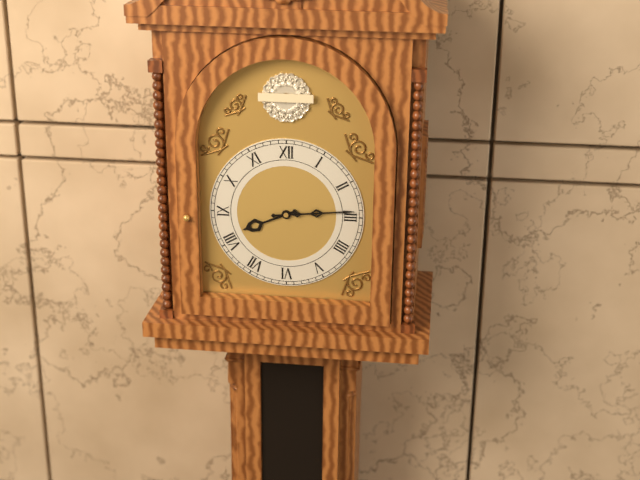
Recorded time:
h=8 m=14
